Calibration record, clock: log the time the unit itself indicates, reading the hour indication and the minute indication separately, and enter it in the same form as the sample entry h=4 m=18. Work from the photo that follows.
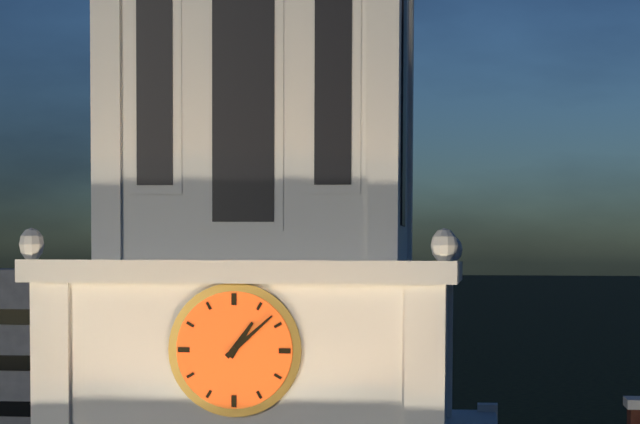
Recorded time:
h=1 m=8
